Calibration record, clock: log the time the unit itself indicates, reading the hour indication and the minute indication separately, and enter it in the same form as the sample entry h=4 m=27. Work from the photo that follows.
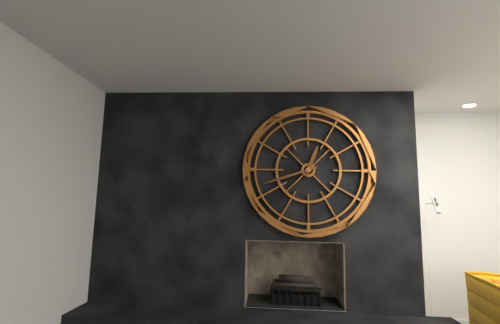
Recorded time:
h=12 m=42
